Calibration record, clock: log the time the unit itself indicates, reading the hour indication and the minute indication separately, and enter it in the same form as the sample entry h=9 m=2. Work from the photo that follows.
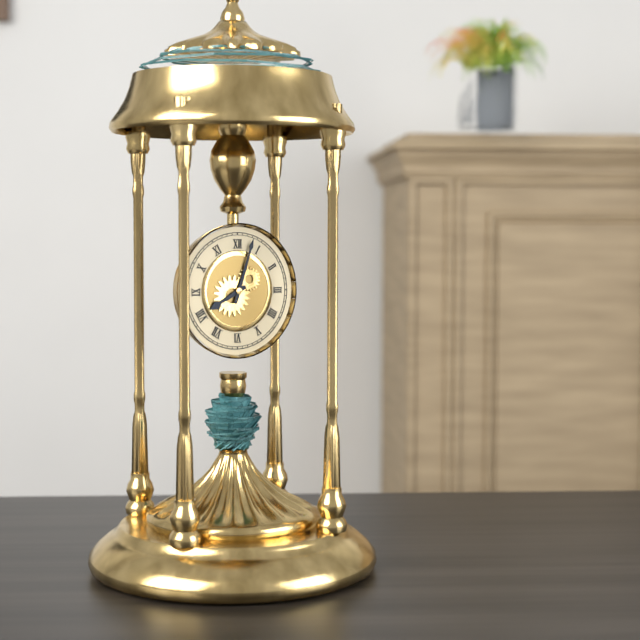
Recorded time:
h=8 m=3
